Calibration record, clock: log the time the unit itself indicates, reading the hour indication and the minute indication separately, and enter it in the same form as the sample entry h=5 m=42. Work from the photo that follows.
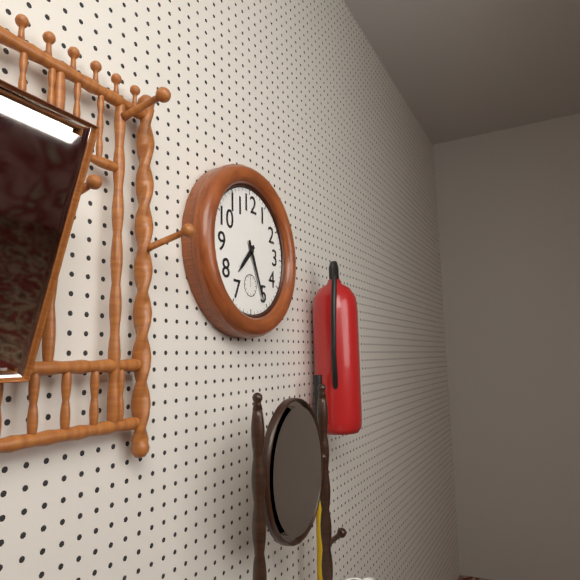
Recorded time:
h=7 m=26
